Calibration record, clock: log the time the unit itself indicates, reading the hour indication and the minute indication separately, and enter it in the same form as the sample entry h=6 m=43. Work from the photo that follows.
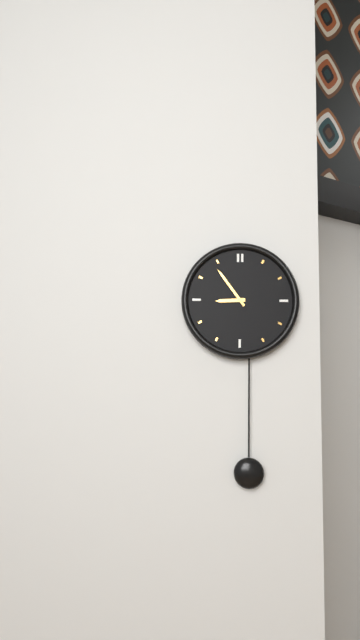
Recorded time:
h=8 m=54
